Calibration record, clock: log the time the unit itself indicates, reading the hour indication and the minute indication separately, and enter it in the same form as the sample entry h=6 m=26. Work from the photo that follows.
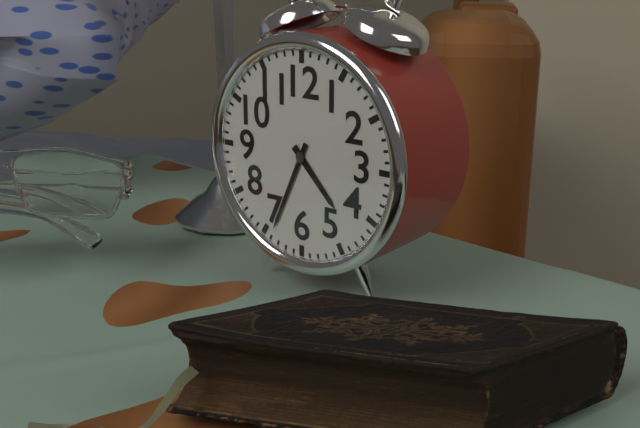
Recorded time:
h=4 m=34
